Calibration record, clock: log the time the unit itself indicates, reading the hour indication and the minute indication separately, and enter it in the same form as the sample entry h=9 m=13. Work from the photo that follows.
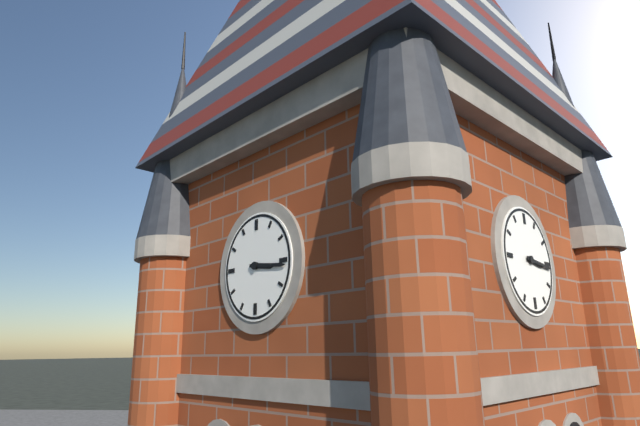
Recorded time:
h=3 m=16
